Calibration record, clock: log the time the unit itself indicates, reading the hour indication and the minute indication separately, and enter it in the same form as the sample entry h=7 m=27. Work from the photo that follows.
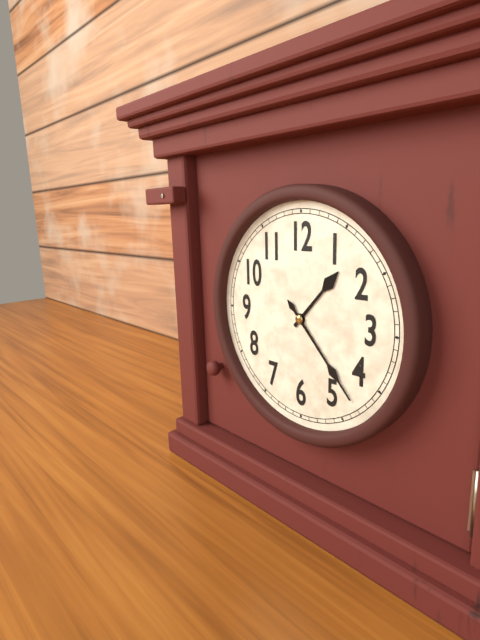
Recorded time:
h=1 m=23
